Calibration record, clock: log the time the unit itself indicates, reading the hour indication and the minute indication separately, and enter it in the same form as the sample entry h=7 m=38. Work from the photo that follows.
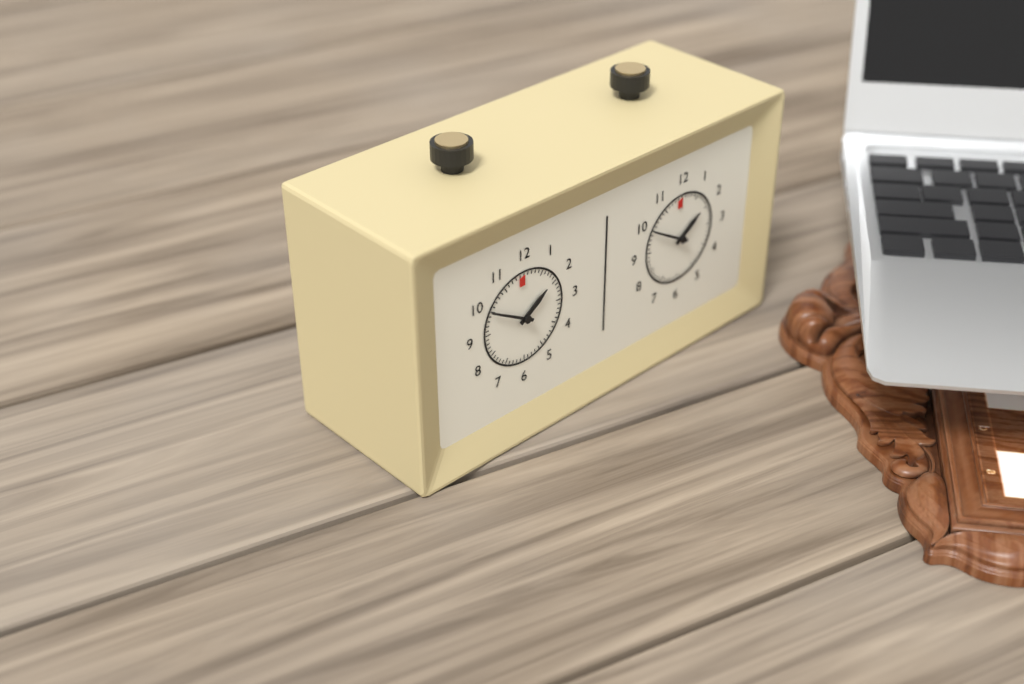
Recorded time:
h=1 m=50
